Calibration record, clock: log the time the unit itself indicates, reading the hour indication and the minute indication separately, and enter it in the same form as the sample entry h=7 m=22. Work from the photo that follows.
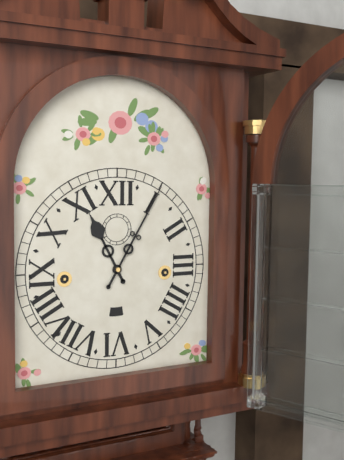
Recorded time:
h=11 m=5
